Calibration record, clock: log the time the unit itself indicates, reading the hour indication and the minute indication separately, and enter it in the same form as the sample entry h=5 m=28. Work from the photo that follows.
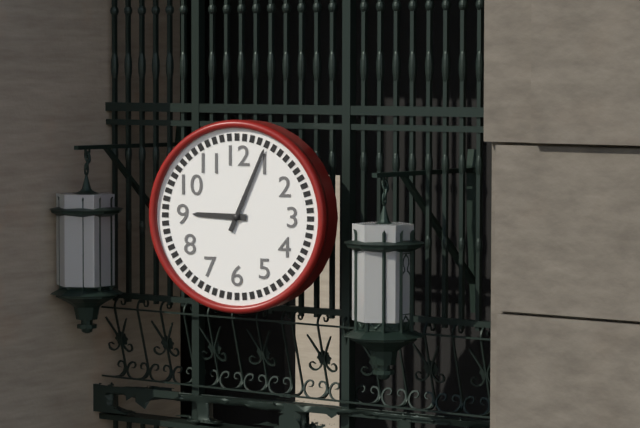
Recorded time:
h=9 m=4
